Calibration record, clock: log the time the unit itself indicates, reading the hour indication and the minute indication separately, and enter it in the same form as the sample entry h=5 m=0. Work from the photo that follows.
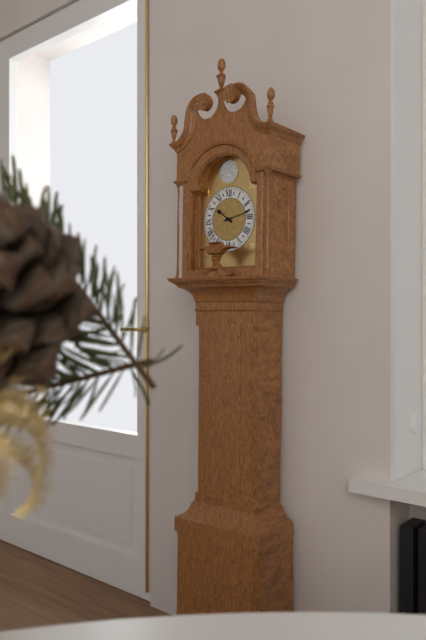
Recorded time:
h=10 m=13
